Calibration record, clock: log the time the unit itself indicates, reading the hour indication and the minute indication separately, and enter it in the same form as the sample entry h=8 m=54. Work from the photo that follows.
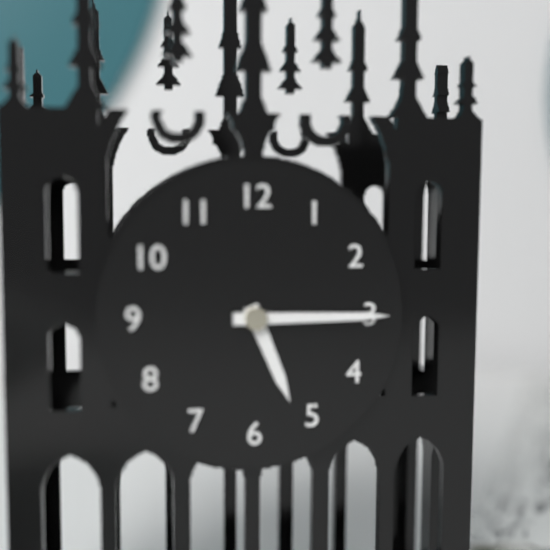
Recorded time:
h=5 m=15
